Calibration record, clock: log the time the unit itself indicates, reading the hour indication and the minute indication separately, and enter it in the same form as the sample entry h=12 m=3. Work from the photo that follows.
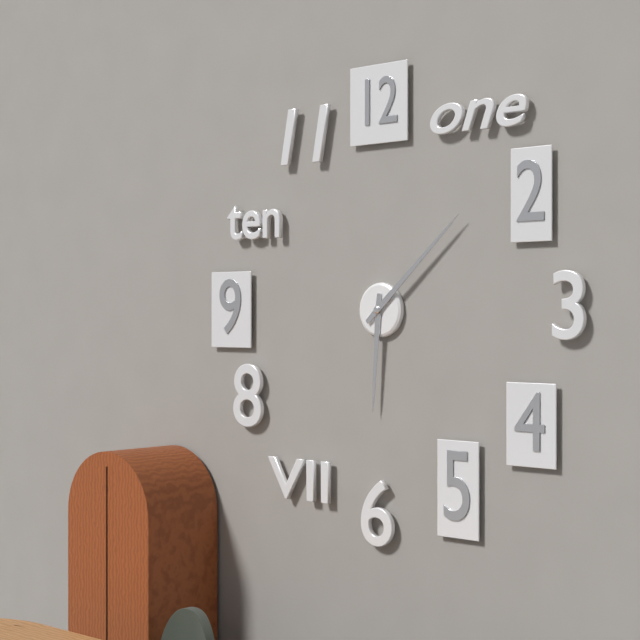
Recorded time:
h=6 m=8
